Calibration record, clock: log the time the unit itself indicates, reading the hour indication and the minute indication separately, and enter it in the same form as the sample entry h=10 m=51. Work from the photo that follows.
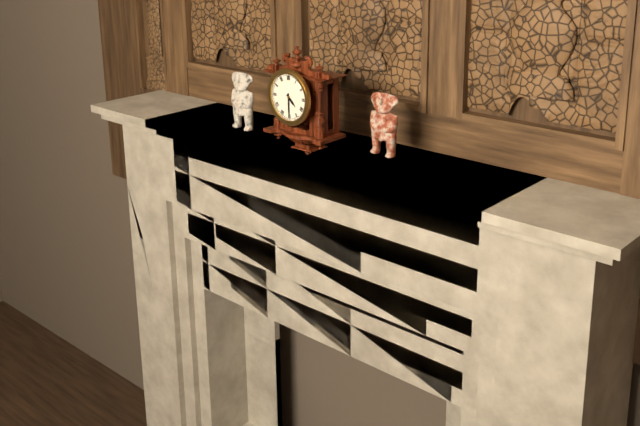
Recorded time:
h=4 m=30
